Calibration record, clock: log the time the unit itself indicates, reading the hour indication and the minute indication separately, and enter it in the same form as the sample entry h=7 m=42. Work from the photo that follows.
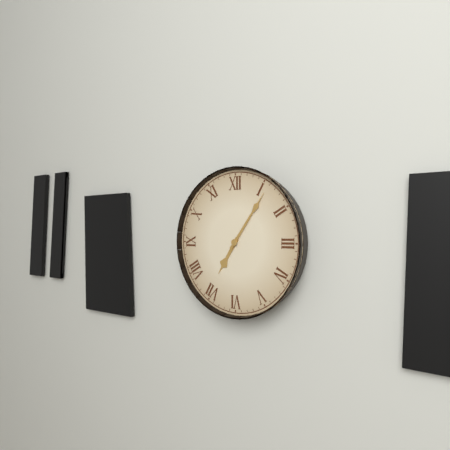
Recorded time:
h=7 m=6
